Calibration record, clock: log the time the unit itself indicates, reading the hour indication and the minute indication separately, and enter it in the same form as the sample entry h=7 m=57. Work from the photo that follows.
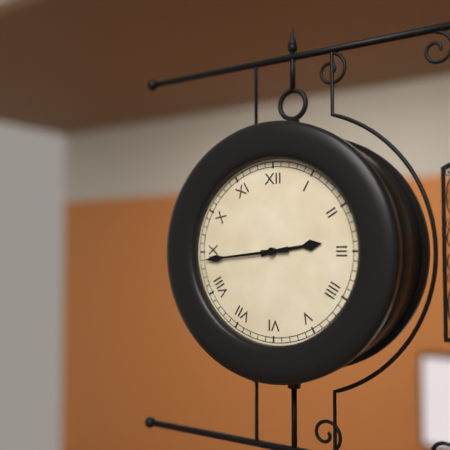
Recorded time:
h=2 m=44
